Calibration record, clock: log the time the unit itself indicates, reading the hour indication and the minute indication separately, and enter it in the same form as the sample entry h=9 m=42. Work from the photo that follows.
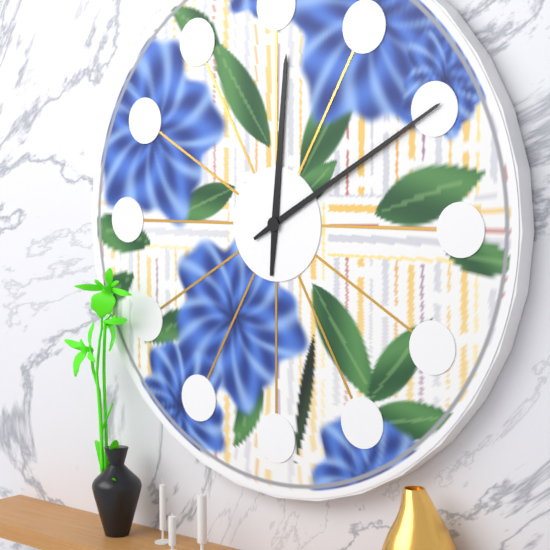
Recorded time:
h=12 m=10
